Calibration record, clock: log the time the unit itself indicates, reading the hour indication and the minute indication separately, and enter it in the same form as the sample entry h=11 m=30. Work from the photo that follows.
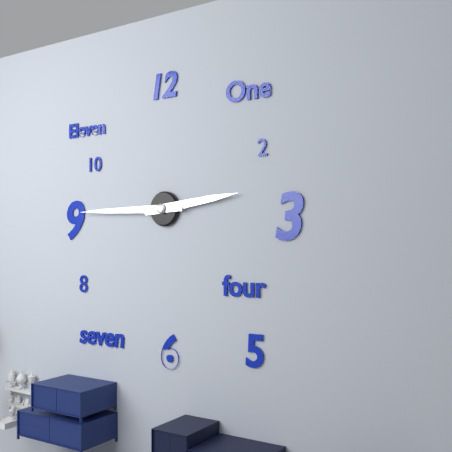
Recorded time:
h=2 m=45
